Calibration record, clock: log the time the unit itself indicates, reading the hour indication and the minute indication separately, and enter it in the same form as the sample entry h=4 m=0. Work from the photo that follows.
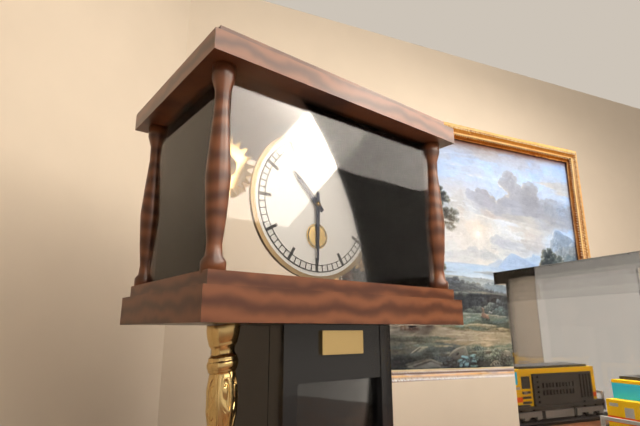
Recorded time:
h=10 m=30
